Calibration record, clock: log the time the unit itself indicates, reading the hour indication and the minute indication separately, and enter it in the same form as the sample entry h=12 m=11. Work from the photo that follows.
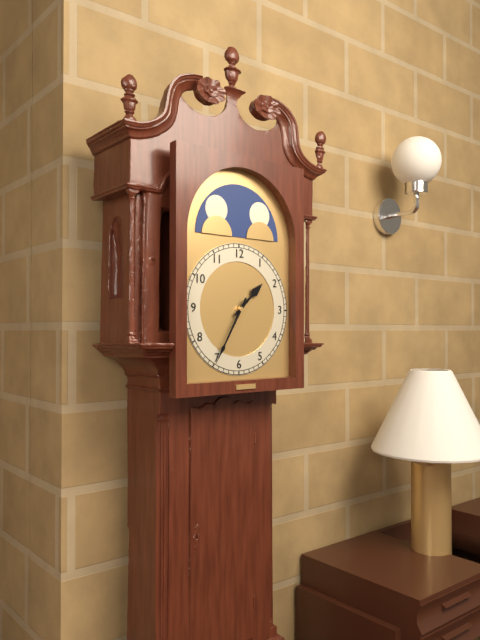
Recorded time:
h=1 m=35
